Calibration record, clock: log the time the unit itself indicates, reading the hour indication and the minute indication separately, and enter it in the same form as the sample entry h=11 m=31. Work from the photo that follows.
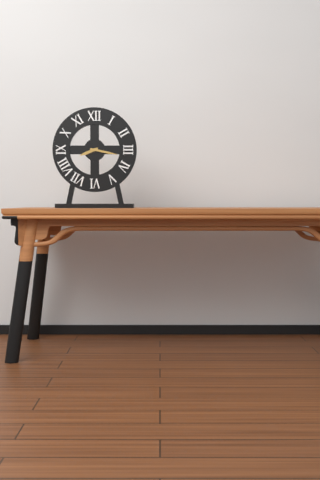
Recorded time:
h=8 m=17
